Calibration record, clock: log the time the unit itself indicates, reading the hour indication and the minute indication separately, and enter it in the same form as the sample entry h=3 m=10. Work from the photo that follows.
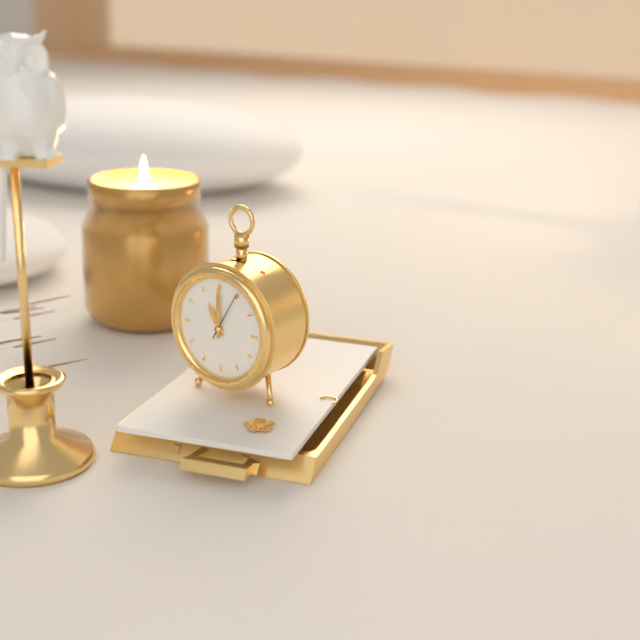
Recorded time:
h=11 m=0
